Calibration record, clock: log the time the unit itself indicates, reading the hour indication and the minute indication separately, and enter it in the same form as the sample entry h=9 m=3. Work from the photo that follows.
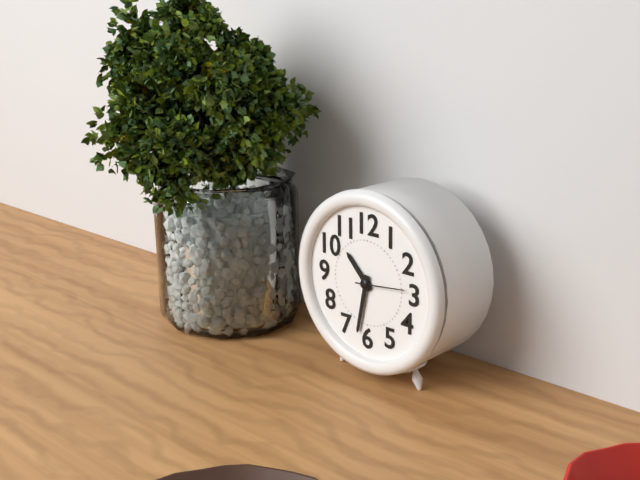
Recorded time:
h=10 m=32
